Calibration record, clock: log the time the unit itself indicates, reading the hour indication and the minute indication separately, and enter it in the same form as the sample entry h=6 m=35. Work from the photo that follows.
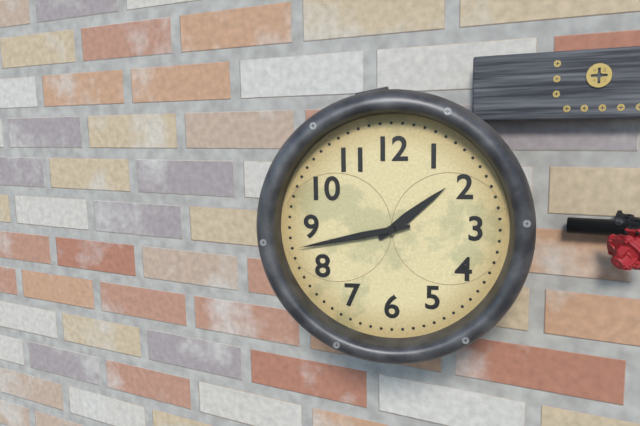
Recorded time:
h=1 m=43
